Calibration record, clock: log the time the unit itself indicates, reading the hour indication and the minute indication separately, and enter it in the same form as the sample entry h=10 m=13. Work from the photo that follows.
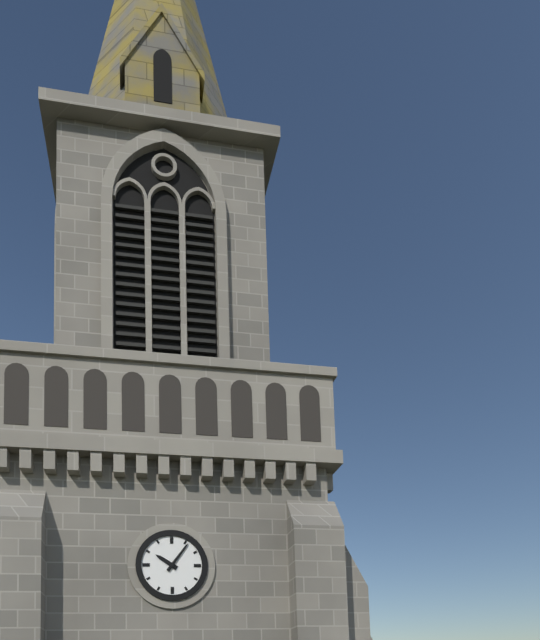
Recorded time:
h=10 m=6
